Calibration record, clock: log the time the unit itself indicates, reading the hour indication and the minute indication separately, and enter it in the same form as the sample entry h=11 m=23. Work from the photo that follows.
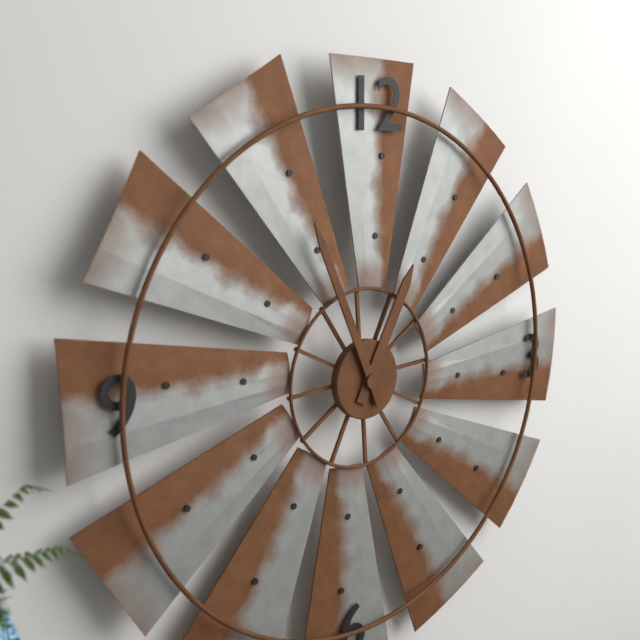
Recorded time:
h=12 m=56
